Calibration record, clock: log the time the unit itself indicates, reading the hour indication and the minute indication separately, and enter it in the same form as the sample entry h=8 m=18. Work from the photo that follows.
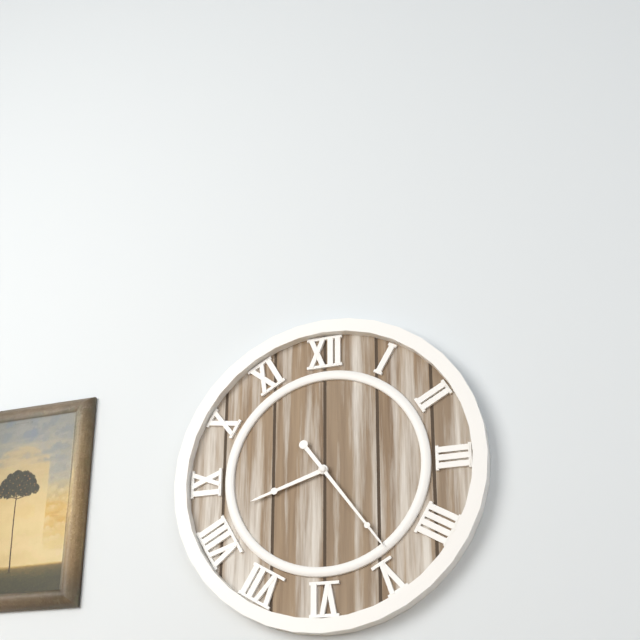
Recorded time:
h=8 m=24
